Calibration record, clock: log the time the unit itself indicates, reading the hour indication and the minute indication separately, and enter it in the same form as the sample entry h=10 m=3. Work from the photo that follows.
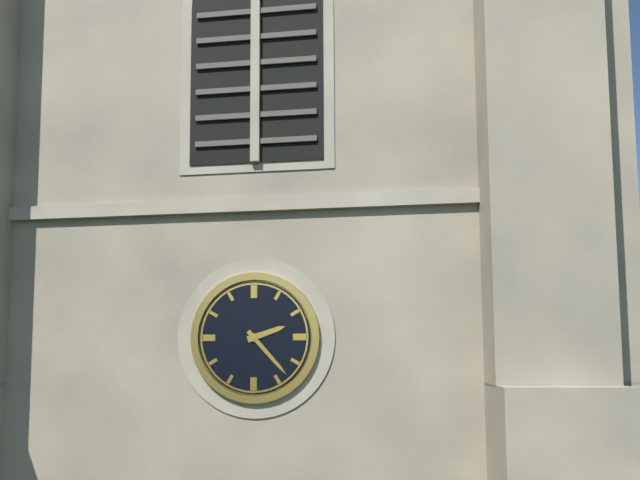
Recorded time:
h=2 m=23
